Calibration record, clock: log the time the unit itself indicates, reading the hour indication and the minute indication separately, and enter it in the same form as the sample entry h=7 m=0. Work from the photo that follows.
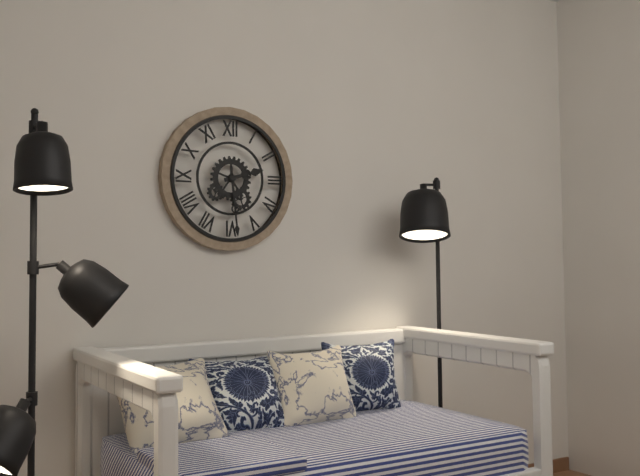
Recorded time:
h=2 m=29
